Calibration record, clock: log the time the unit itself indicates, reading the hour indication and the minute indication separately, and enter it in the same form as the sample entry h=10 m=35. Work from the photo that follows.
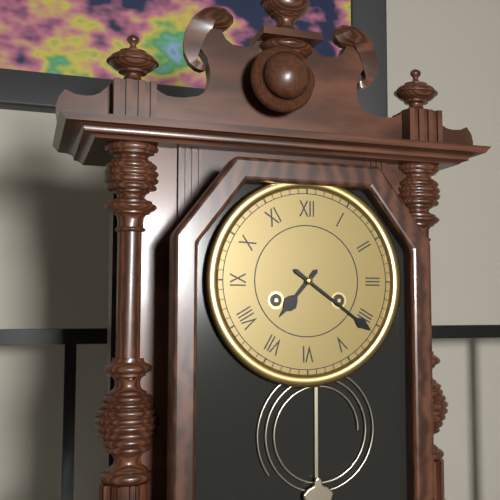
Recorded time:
h=7 m=21
